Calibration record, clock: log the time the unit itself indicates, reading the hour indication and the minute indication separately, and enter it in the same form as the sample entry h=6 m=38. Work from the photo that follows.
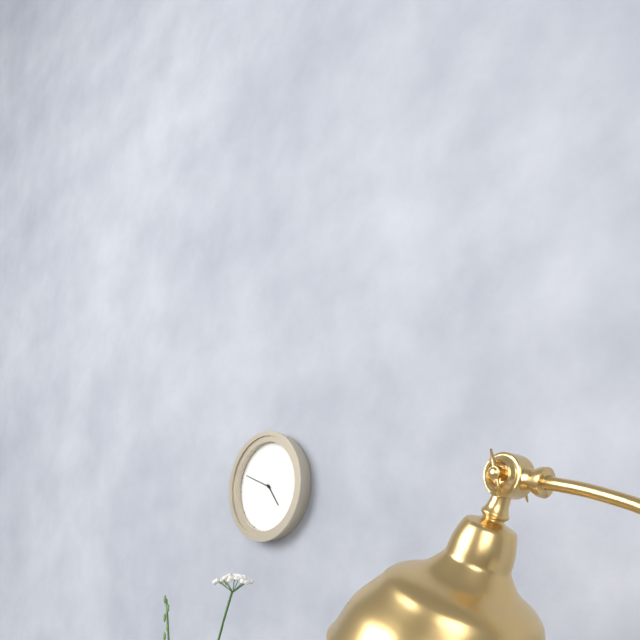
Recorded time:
h=4 m=49
